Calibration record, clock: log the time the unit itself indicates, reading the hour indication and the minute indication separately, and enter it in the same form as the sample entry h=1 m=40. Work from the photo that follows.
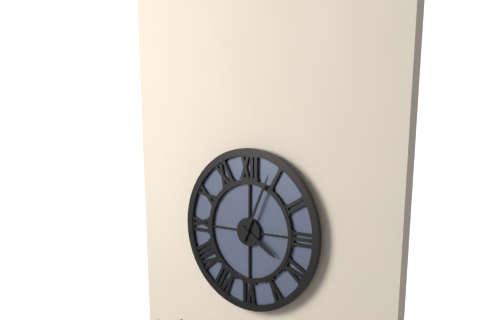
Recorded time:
h=4 m=4
